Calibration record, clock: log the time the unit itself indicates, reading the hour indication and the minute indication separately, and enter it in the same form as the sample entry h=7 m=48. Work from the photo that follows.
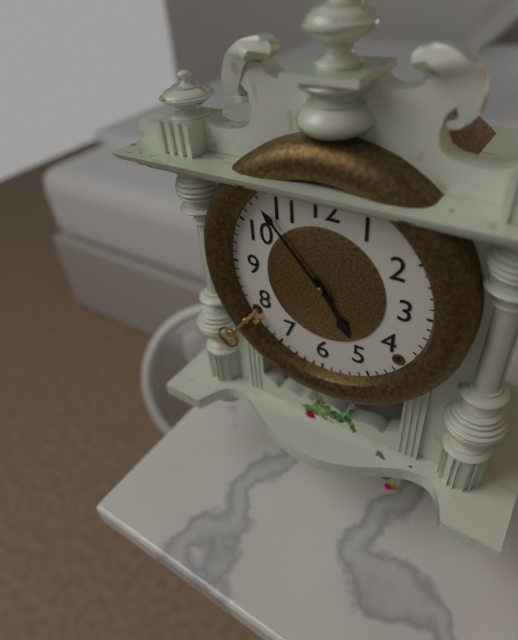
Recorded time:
h=4 m=53
